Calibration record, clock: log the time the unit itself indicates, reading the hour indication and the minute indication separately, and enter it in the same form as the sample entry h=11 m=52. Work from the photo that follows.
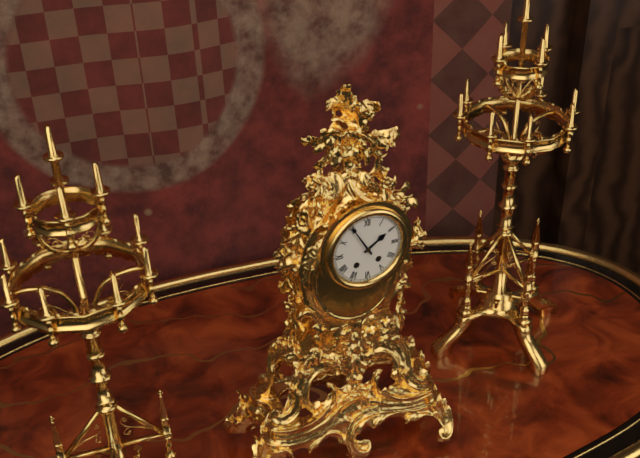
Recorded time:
h=1 m=55
